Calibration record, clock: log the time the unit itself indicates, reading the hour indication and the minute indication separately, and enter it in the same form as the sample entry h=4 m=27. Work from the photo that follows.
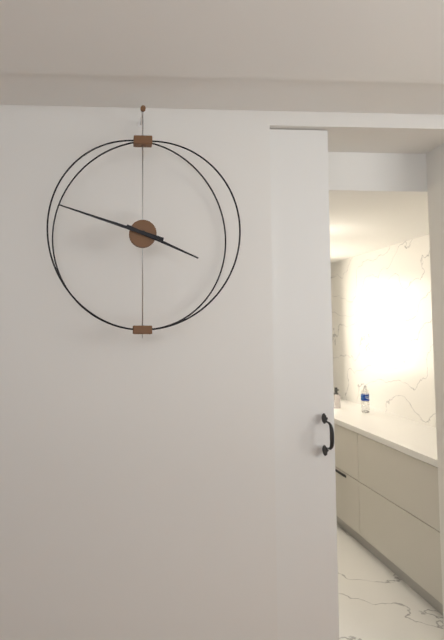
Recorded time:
h=3 m=48
